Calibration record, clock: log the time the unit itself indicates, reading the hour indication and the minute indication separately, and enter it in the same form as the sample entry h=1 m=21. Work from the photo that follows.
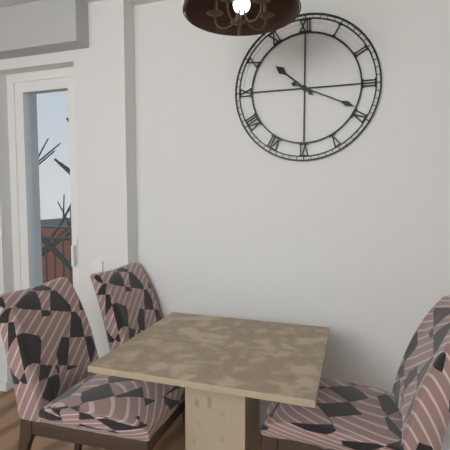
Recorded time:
h=10 m=19
